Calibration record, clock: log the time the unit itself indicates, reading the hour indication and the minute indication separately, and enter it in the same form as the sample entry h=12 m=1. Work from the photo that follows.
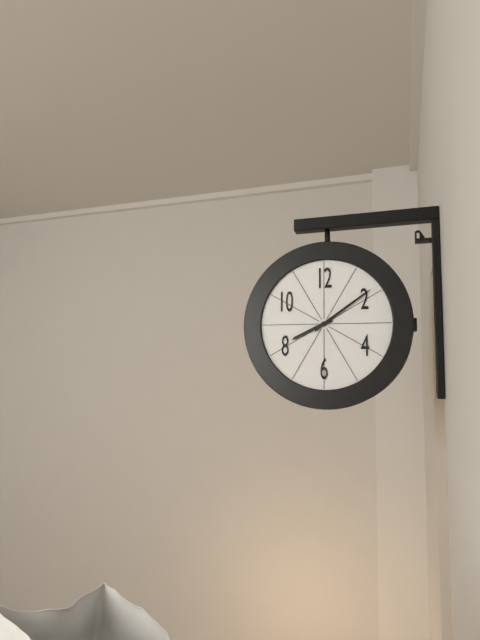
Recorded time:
h=8 m=9
